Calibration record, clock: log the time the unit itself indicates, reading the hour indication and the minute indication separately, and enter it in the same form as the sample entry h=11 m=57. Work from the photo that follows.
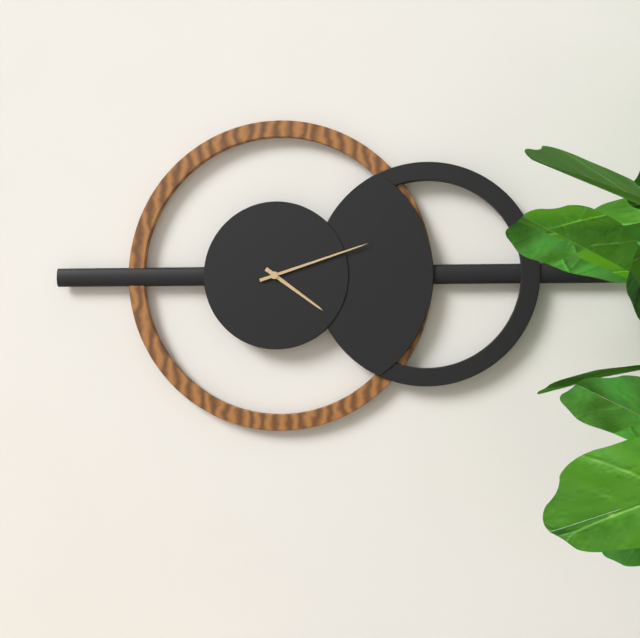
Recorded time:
h=4 m=12
